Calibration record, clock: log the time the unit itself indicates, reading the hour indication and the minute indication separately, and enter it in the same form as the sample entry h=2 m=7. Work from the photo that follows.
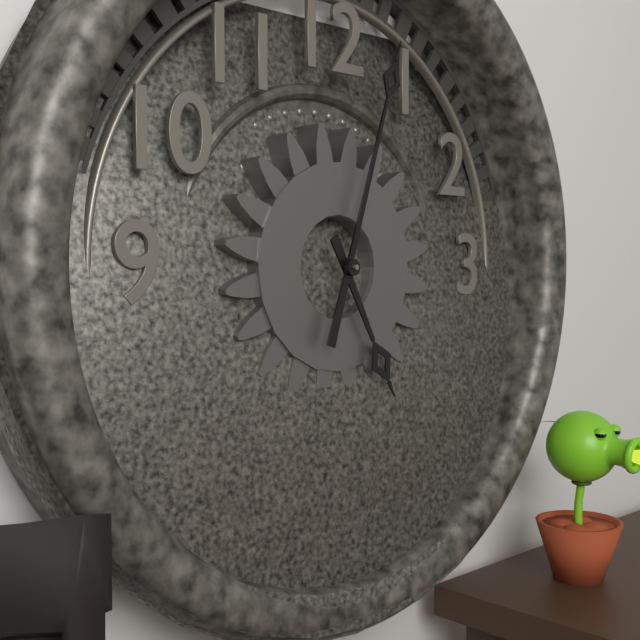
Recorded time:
h=5 m=3
